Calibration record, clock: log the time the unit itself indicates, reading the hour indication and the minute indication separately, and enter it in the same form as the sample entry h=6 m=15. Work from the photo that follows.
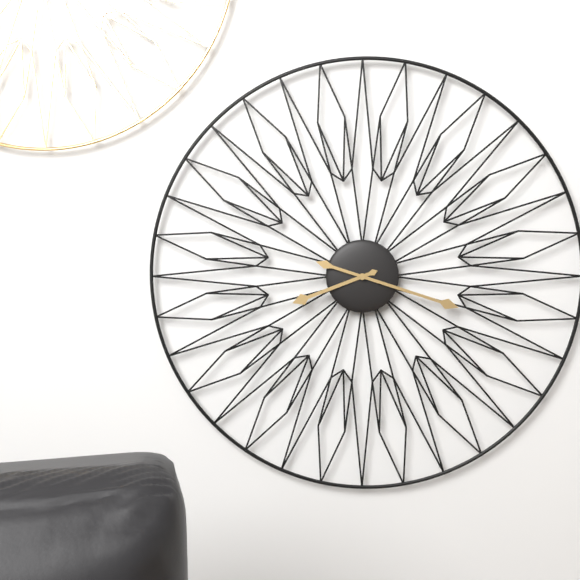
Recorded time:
h=8 m=18
